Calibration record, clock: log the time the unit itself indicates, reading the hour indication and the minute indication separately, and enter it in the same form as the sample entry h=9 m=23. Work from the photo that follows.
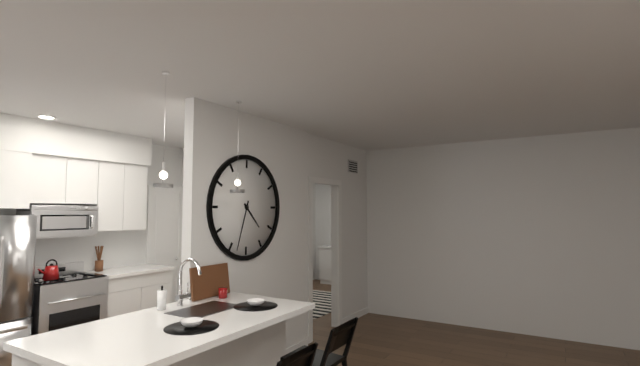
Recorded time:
h=4 m=33
